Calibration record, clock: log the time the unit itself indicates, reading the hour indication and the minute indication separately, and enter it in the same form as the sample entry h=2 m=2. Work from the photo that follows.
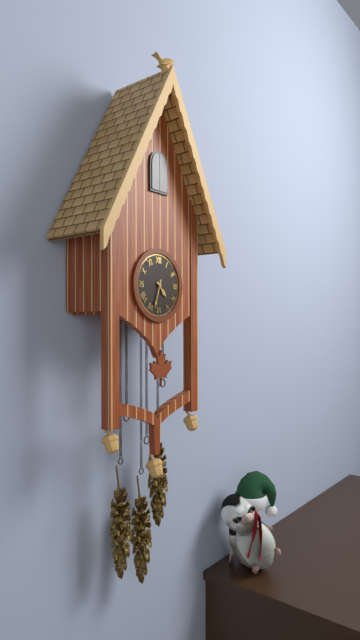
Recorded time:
h=4 m=33
